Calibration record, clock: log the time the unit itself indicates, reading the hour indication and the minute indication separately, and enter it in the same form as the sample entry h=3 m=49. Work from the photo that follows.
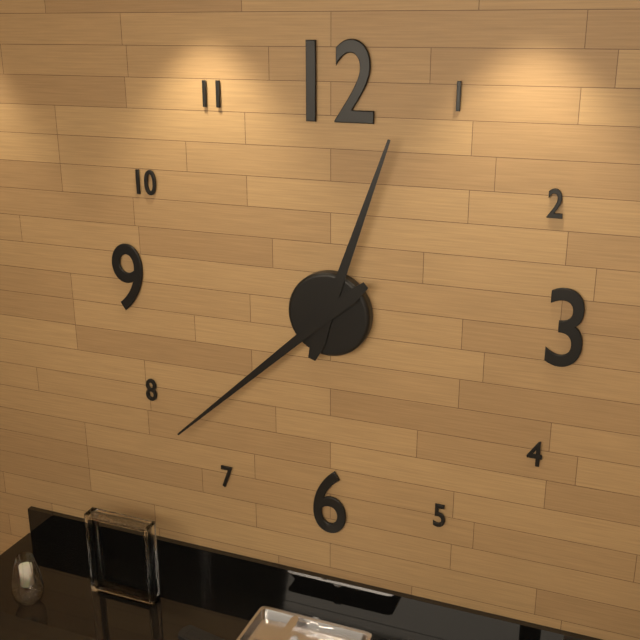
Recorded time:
h=12 m=38
